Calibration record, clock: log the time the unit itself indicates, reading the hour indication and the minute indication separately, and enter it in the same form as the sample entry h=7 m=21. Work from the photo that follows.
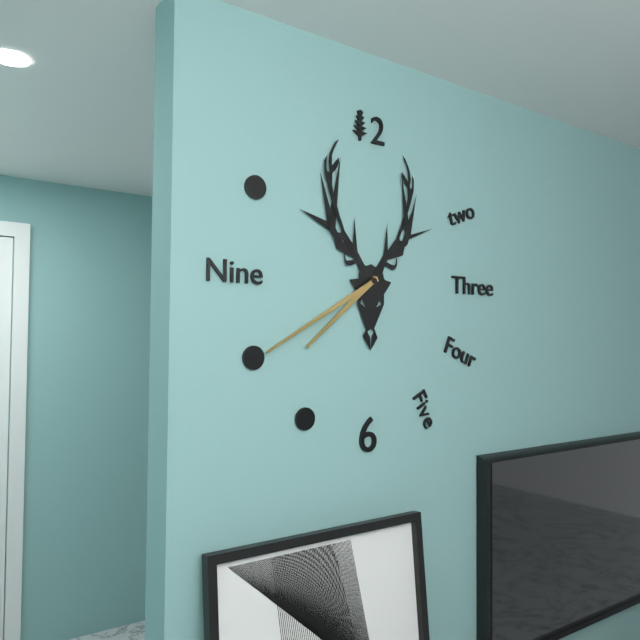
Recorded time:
h=7 m=40
